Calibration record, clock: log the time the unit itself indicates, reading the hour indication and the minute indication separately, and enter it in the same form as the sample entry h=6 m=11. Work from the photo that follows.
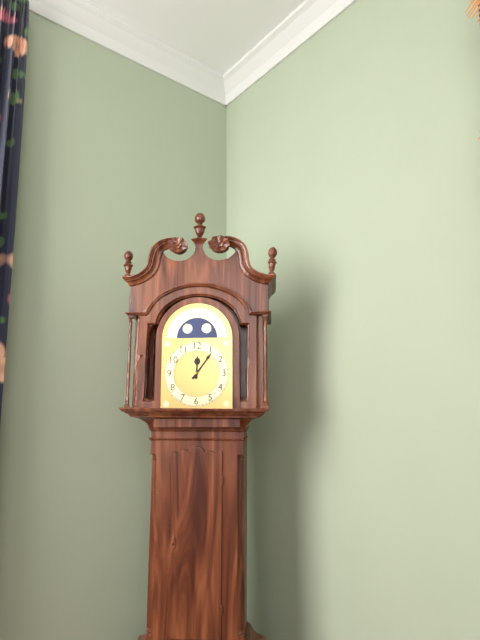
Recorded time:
h=12 m=6
